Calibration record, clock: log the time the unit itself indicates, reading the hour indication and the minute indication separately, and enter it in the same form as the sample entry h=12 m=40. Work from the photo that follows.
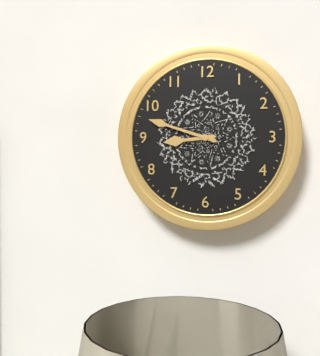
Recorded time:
h=8 m=48
